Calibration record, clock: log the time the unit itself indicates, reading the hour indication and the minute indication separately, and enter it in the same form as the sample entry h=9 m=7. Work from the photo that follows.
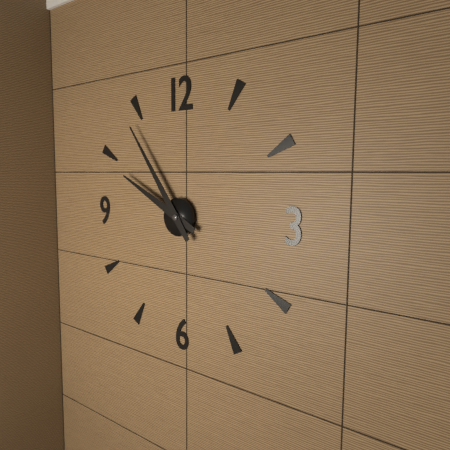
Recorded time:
h=9 m=54
